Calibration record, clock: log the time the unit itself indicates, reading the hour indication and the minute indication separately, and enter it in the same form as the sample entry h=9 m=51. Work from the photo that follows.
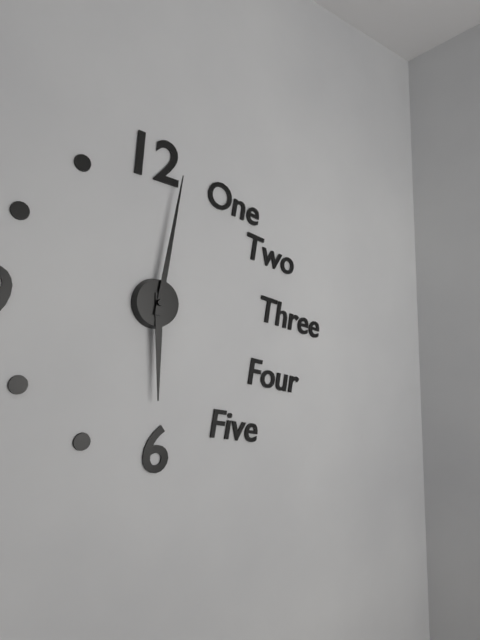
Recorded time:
h=6 m=2
